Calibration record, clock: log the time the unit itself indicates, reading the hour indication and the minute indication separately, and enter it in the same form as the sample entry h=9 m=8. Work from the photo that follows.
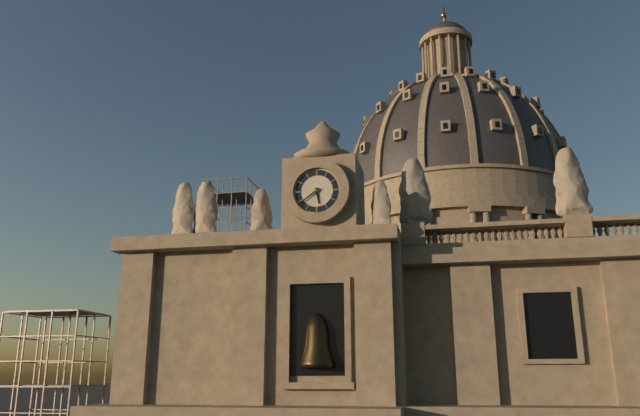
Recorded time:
h=5 m=39
